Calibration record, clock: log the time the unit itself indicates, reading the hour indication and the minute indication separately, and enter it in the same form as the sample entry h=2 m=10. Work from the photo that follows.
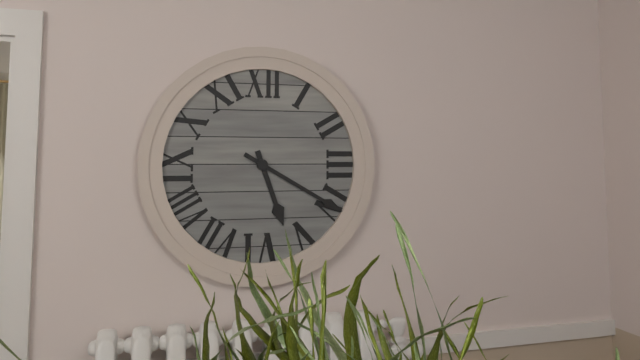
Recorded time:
h=5 m=20
